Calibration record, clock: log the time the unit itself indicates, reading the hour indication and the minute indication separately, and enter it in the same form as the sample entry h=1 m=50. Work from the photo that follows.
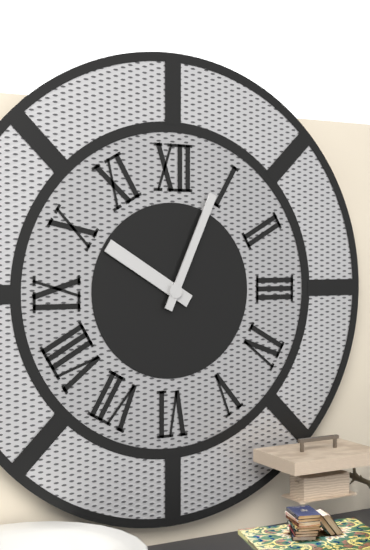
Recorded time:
h=10 m=4
